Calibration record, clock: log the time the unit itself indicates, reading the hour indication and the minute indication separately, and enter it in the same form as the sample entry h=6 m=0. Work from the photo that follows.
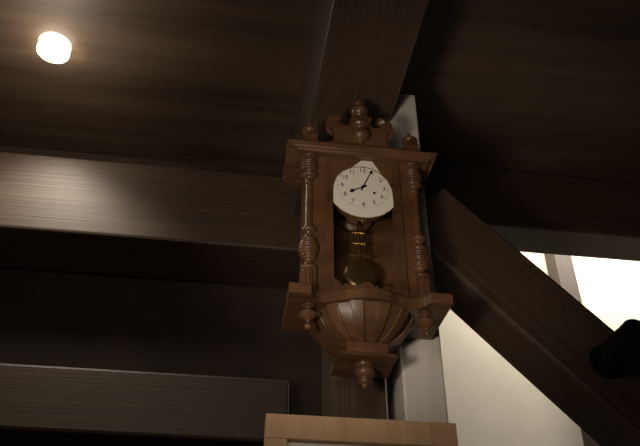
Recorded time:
h=8 m=4
